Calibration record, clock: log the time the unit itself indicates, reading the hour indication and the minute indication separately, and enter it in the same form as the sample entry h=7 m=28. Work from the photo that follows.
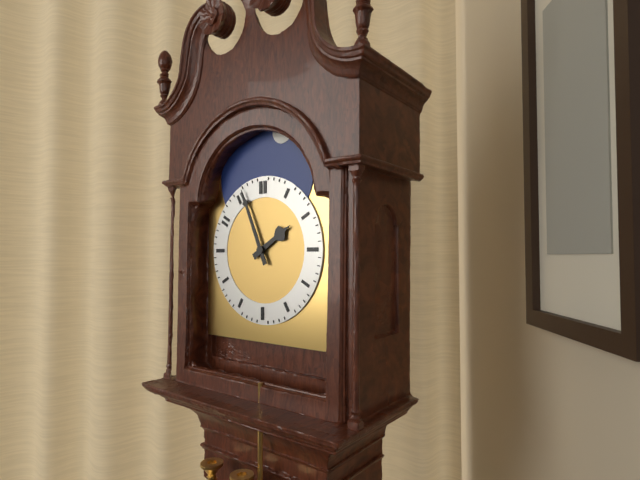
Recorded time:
h=1 m=56
